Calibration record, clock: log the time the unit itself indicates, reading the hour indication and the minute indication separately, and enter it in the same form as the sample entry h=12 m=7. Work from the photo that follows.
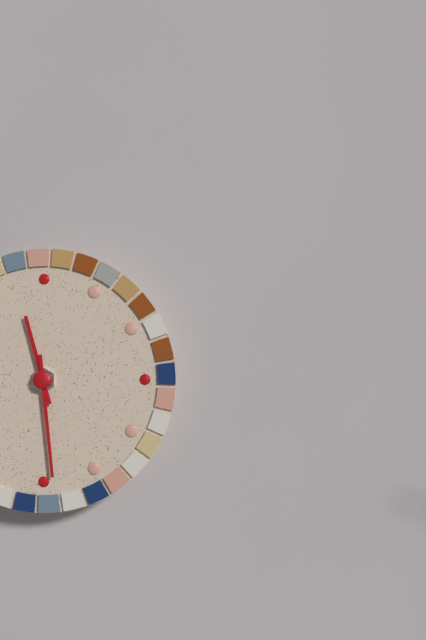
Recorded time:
h=11 m=29
